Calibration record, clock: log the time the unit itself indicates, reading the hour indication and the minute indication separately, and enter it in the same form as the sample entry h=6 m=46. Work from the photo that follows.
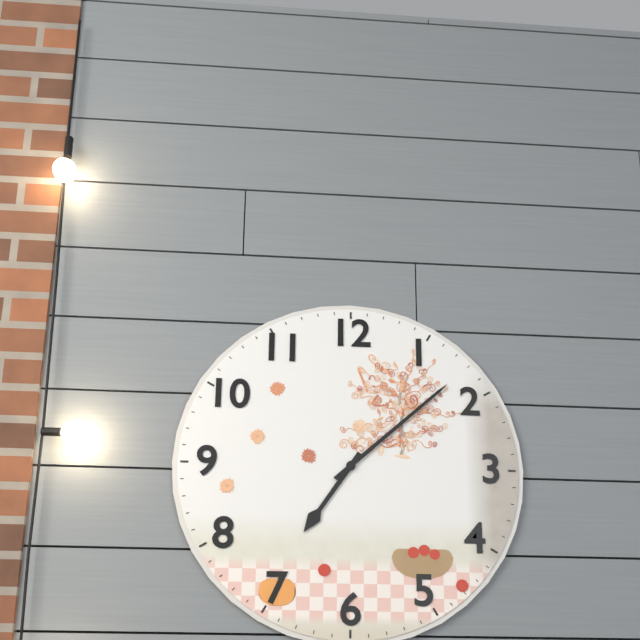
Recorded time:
h=7 m=8
